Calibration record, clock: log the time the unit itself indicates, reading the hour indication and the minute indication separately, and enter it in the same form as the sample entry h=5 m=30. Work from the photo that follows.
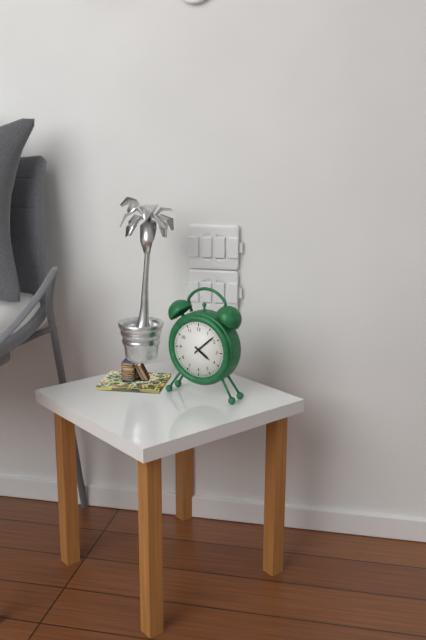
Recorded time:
h=4 m=8
